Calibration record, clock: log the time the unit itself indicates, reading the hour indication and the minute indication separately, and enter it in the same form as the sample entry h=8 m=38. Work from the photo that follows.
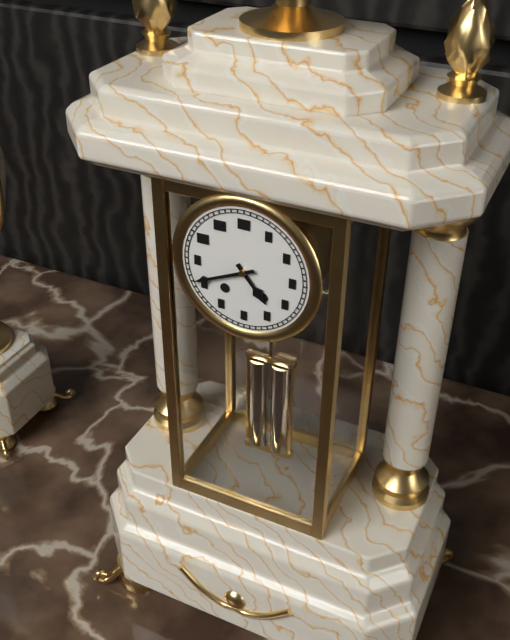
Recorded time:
h=4 m=41
